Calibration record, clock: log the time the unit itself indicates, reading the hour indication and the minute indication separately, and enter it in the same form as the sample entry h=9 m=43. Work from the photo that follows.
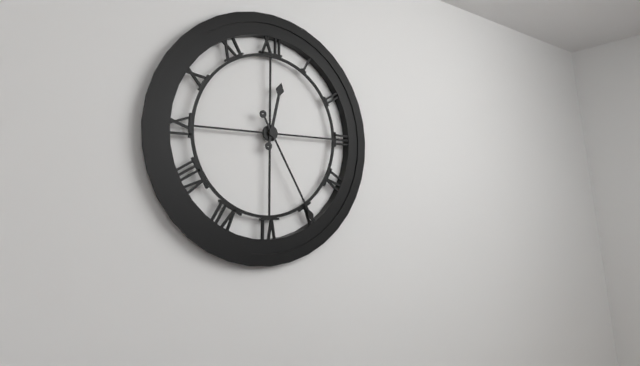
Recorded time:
h=12 m=25
